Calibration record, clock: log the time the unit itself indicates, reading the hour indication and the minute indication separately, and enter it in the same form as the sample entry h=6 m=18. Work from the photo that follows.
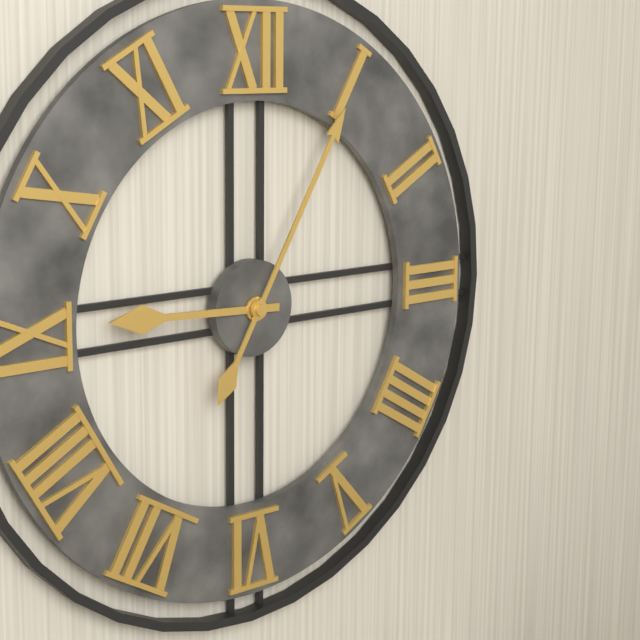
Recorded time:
h=9 m=5
